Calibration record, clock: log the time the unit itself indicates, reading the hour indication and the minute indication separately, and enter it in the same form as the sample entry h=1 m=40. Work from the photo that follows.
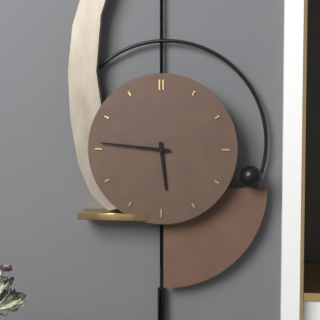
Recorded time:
h=5 m=46
